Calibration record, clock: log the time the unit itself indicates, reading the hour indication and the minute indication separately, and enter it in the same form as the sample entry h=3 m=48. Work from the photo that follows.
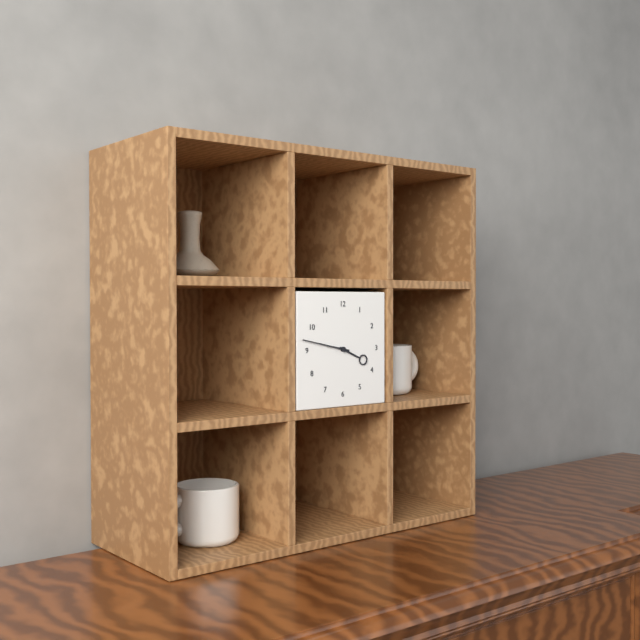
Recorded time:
h=3 m=47
